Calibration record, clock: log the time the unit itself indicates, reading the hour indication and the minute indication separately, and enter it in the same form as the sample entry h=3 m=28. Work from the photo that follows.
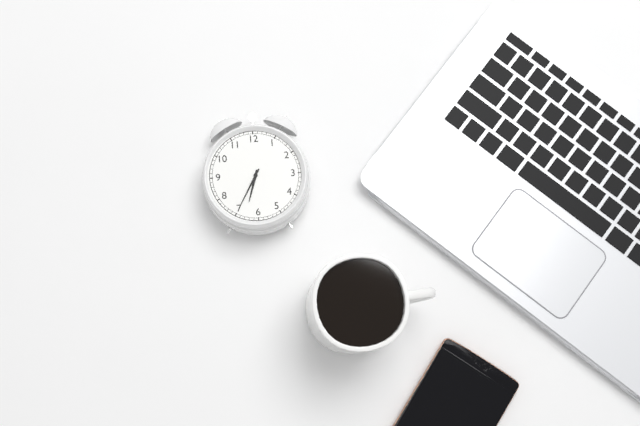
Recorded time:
h=6 m=35
